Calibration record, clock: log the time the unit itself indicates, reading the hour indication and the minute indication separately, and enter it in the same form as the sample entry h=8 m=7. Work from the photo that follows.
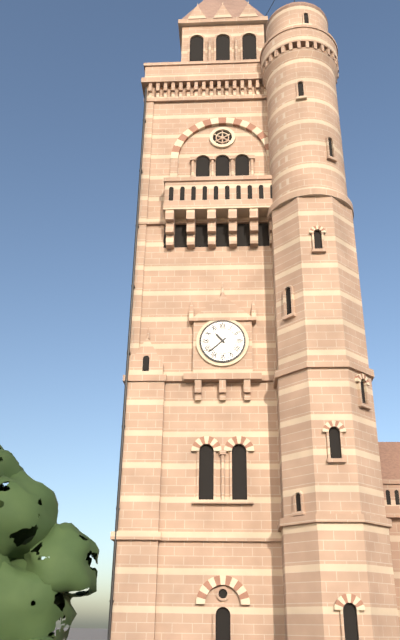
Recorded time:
h=10 m=38
